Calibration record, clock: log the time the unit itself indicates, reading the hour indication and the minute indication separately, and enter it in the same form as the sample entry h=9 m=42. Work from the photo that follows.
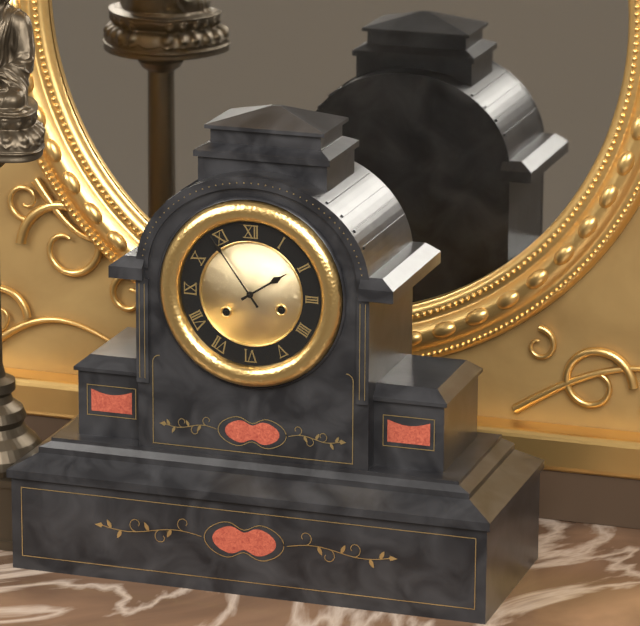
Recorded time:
h=1 m=54
